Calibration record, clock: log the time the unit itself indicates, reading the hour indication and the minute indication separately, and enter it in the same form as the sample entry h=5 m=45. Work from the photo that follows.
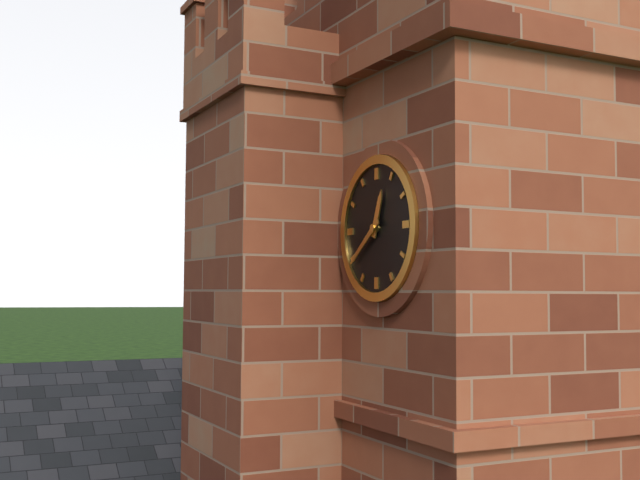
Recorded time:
h=12 m=39
